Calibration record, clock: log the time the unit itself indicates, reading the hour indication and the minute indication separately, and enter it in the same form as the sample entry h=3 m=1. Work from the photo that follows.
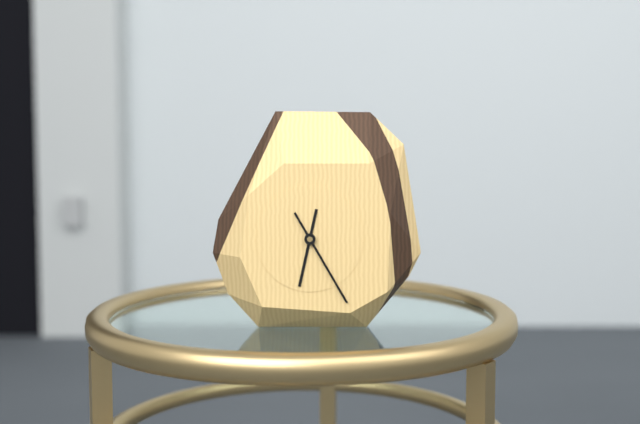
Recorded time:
h=6 m=25
